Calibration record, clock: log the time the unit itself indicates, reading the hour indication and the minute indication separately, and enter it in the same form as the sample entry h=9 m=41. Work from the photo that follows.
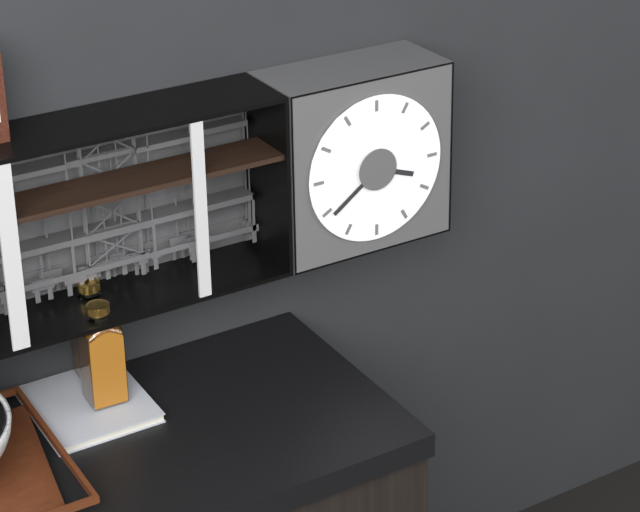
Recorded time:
h=3 m=39
